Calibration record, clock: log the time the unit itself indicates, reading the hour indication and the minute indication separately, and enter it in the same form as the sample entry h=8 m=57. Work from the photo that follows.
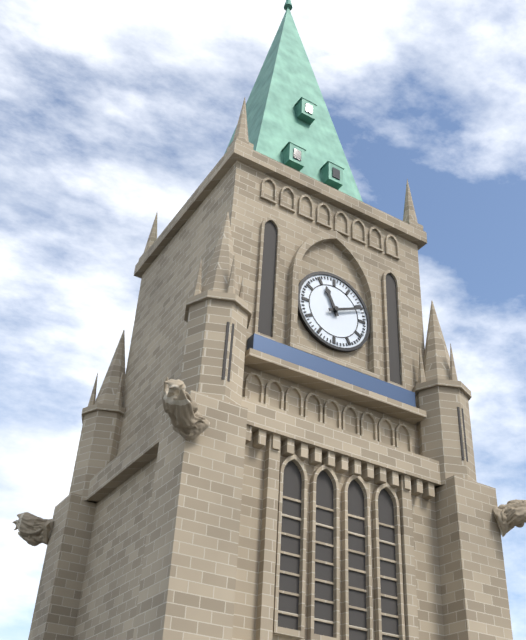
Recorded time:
h=11 m=11
